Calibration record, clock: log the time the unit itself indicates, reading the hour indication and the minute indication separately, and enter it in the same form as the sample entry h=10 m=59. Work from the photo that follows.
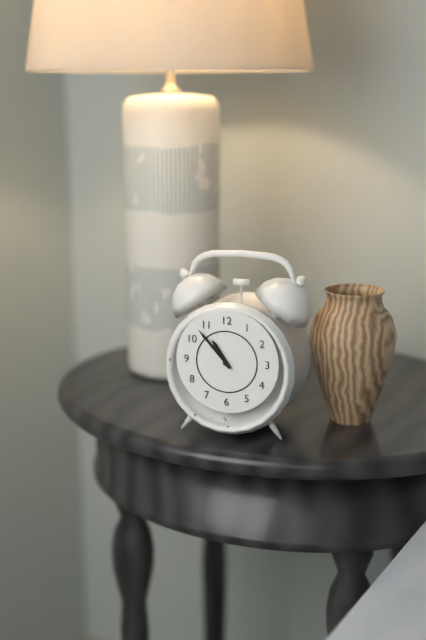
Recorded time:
h=10 m=53
